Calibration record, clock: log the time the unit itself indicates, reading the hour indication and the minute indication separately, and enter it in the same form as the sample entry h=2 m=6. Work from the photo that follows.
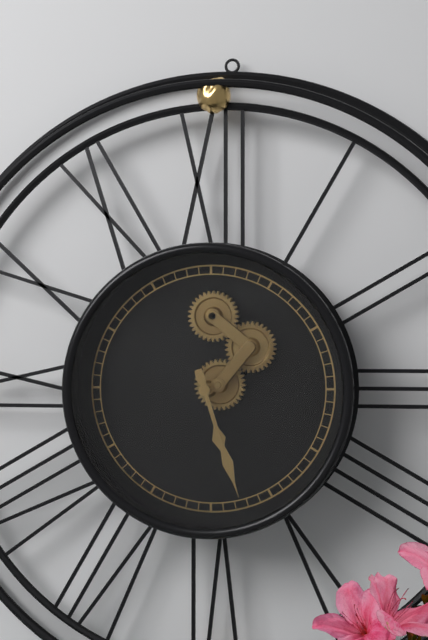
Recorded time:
h=5 m=27
